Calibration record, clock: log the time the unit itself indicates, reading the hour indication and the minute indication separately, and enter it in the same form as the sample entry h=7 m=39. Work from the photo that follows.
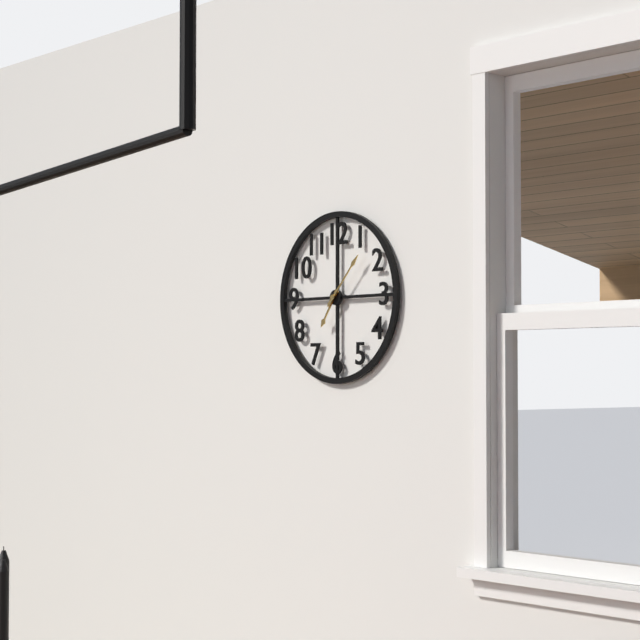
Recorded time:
h=7 m=7
